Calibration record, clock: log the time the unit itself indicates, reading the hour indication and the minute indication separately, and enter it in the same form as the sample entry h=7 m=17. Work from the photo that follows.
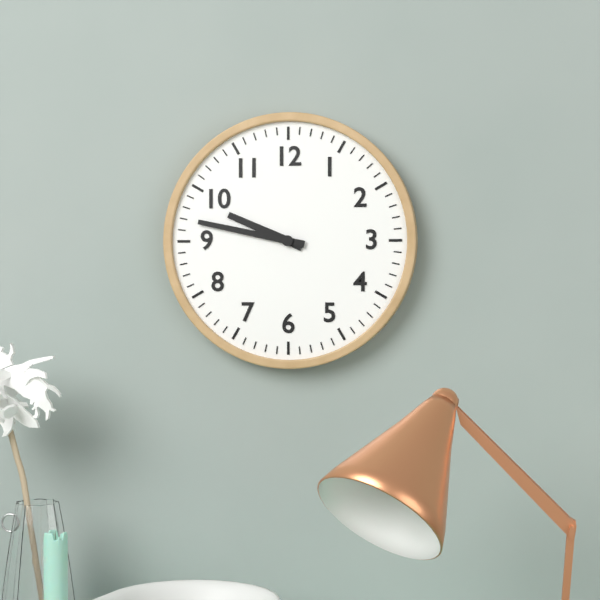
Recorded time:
h=9 m=47
